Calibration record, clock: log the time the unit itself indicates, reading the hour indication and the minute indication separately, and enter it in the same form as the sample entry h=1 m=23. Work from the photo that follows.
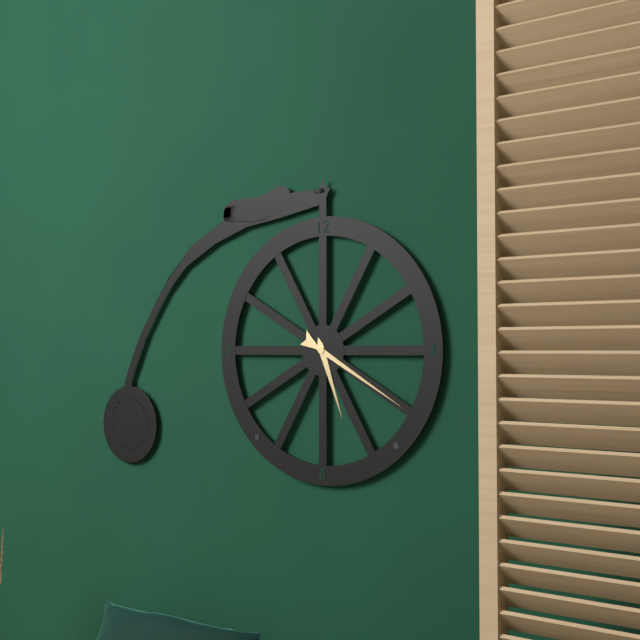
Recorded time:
h=5 m=20
